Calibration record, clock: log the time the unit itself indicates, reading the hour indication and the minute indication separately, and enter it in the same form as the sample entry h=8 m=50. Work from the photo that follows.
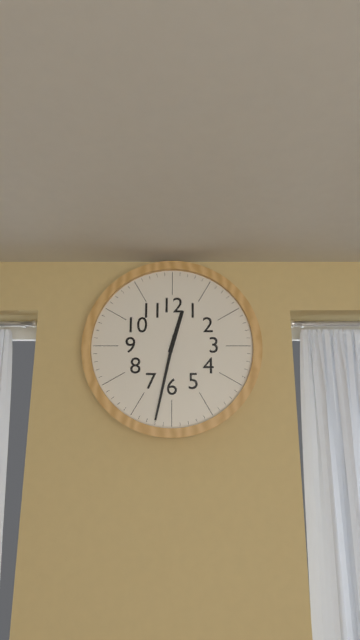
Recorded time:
h=12 m=32
